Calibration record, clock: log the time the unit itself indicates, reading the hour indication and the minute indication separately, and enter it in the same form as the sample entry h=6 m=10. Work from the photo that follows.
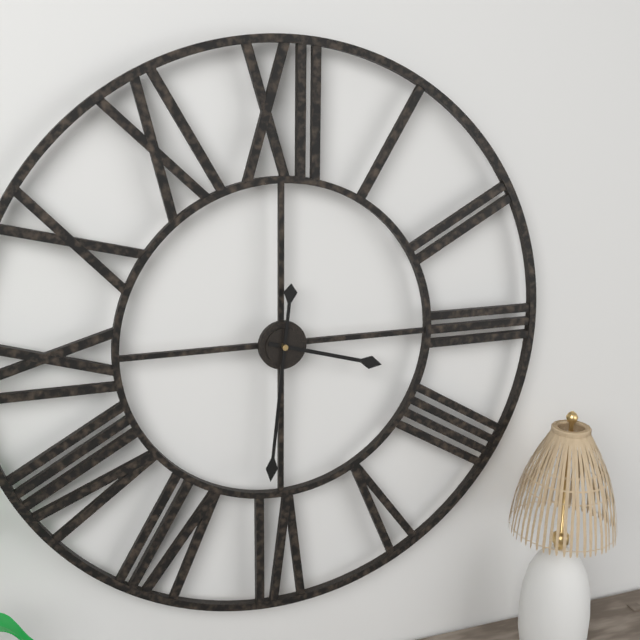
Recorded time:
h=3 m=31
